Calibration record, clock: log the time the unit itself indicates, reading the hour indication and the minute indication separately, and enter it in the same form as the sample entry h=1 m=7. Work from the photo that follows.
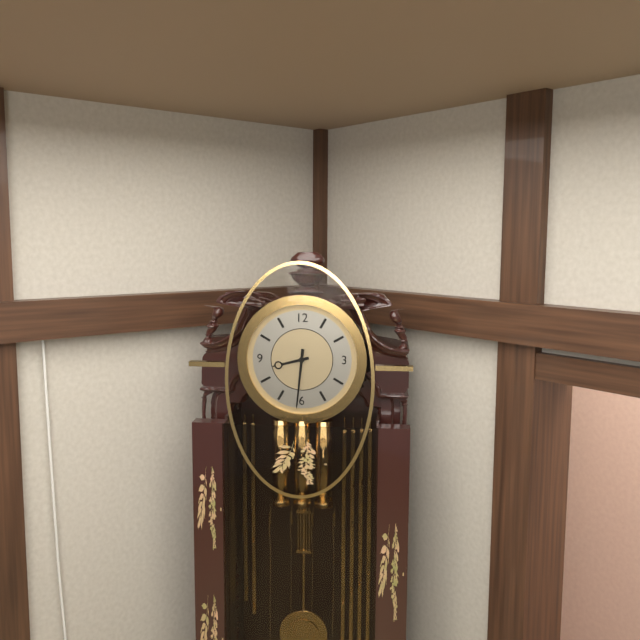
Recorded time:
h=8 m=31
